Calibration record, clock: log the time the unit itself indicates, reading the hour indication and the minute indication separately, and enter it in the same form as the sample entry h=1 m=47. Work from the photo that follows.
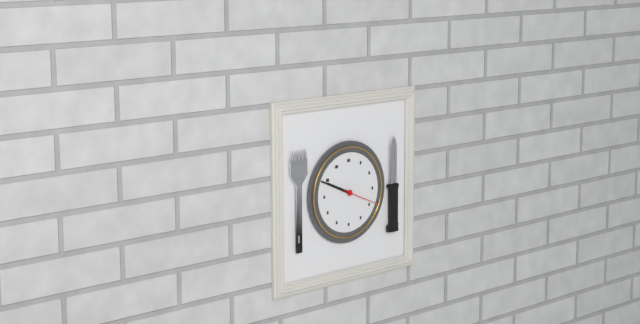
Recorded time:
h=9 m=49
